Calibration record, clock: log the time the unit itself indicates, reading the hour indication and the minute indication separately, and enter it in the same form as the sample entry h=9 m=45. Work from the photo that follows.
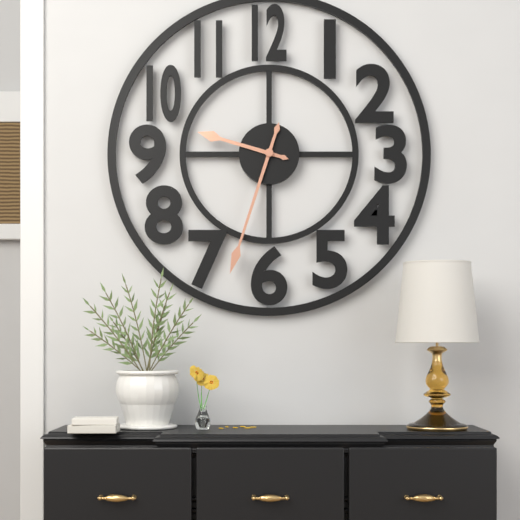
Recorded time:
h=9 m=33
